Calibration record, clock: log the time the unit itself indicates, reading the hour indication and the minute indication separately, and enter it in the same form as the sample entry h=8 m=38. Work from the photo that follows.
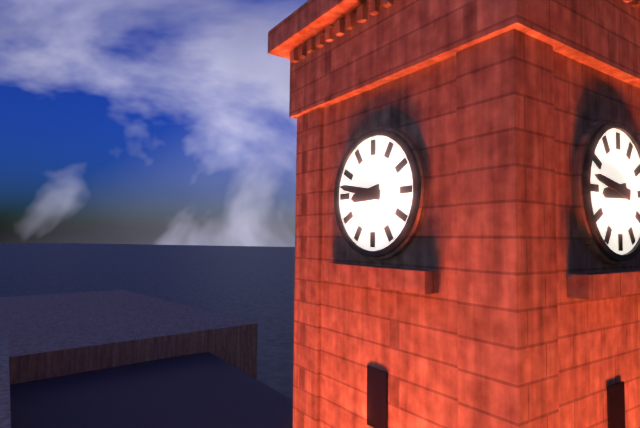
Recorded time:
h=8 m=47
